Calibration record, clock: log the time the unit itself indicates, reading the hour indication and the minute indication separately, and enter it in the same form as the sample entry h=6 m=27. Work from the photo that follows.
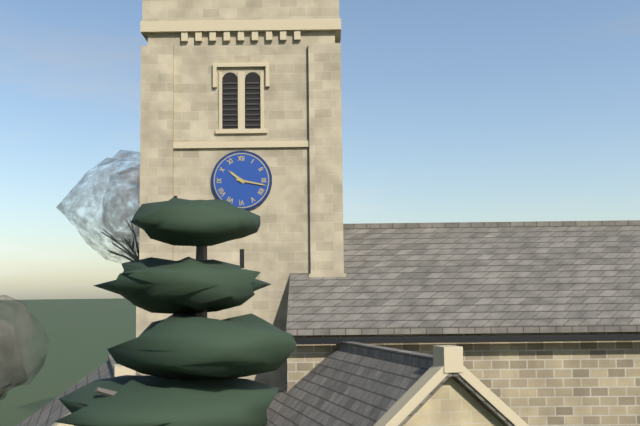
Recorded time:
h=10 m=17
